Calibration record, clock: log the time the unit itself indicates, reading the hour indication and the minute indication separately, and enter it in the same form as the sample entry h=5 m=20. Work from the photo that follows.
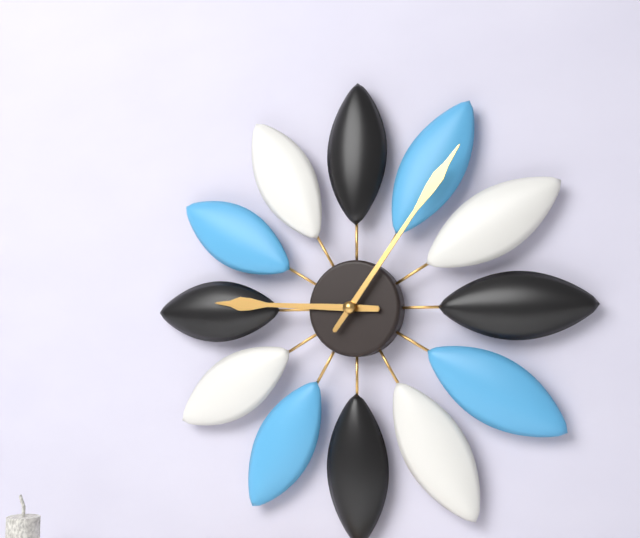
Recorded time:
h=9 m=6
